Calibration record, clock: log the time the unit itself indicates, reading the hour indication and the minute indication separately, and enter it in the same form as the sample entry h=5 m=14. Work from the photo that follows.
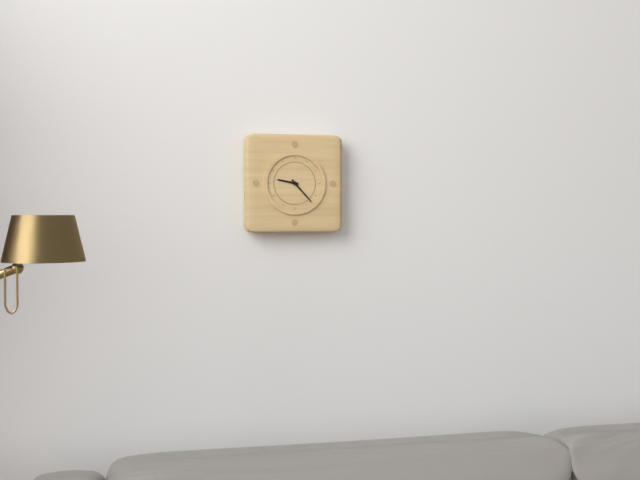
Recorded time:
h=9 m=23
